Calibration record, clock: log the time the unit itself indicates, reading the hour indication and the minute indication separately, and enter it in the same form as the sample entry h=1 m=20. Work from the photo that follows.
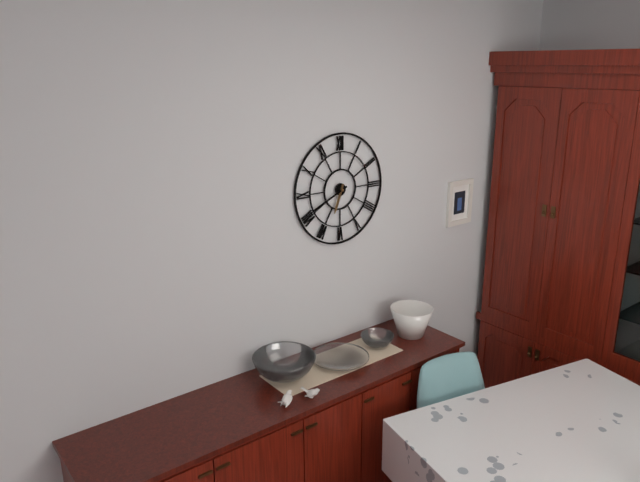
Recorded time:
h=6 m=41
